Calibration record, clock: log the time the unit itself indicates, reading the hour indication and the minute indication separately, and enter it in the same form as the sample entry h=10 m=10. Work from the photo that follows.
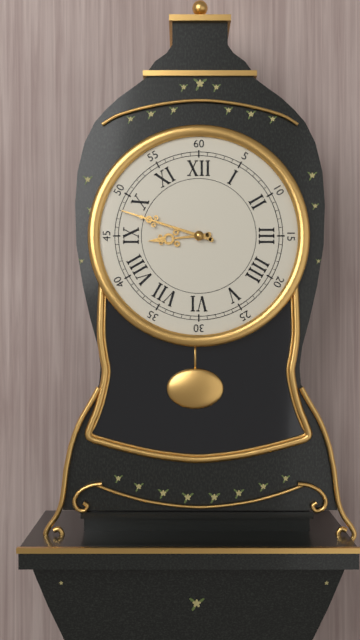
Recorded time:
h=8 m=48
